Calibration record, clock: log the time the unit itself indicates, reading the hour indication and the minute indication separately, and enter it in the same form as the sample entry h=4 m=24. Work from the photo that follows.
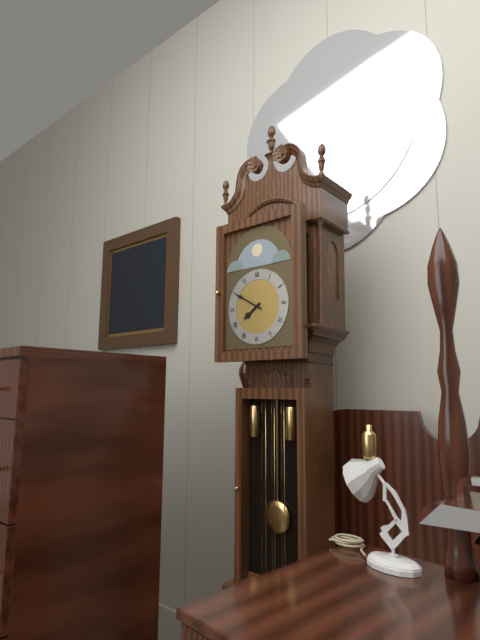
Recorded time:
h=7 m=50
